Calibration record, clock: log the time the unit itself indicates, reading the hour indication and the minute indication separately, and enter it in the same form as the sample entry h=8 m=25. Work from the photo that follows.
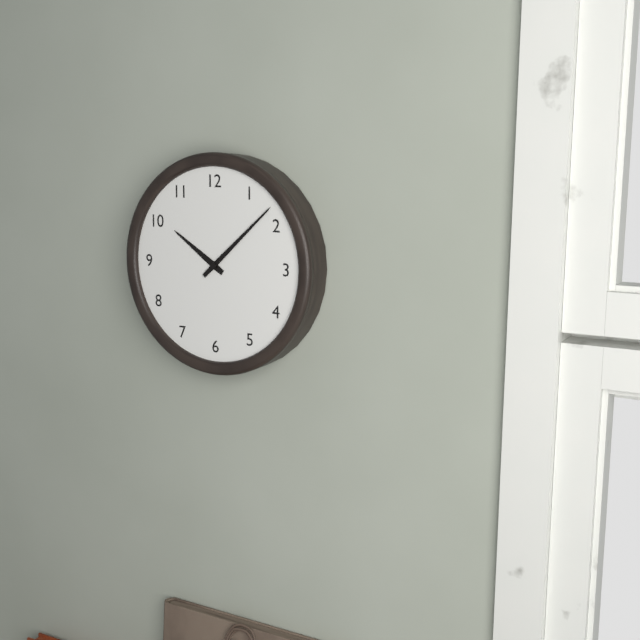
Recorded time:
h=10 m=8
